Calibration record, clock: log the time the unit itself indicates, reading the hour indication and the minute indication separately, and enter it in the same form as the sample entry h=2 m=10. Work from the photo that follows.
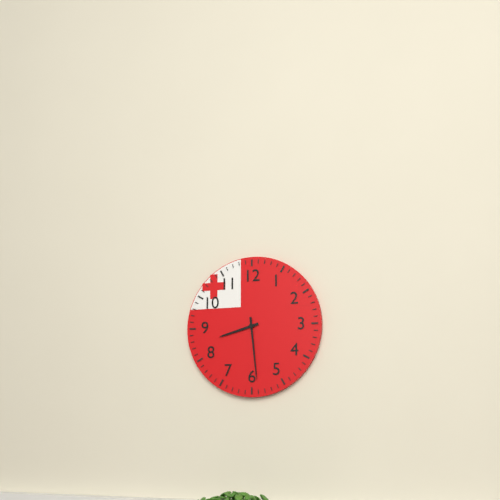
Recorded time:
h=8 m=29
